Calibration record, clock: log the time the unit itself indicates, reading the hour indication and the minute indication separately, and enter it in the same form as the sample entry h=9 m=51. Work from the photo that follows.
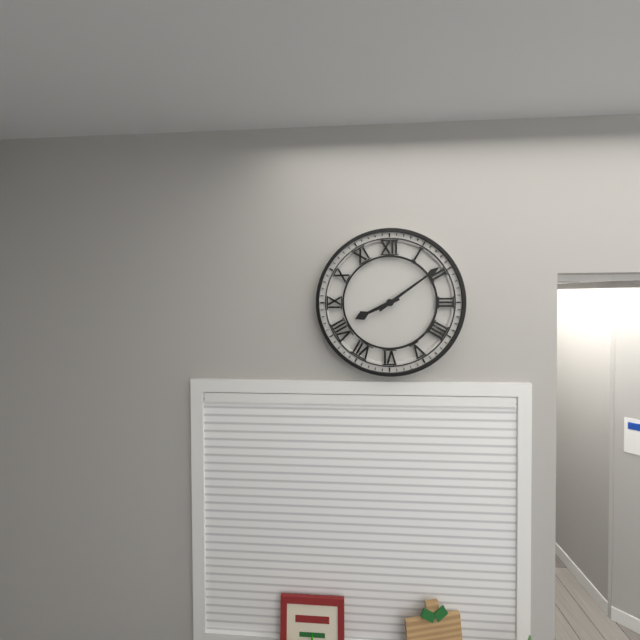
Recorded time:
h=8 m=9
